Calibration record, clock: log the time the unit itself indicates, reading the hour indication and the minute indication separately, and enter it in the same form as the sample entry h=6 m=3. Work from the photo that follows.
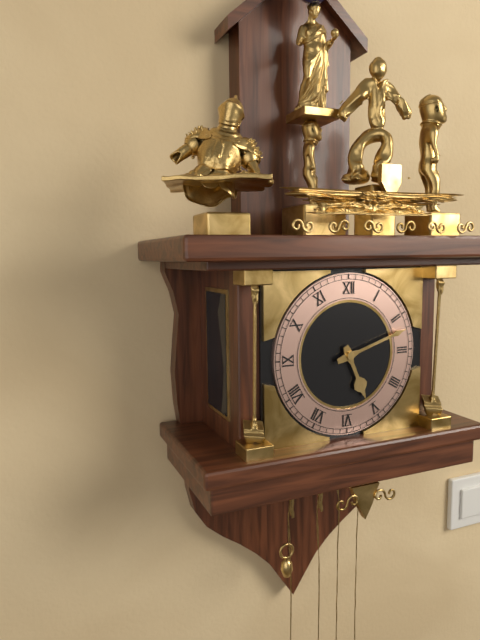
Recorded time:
h=5 m=12
